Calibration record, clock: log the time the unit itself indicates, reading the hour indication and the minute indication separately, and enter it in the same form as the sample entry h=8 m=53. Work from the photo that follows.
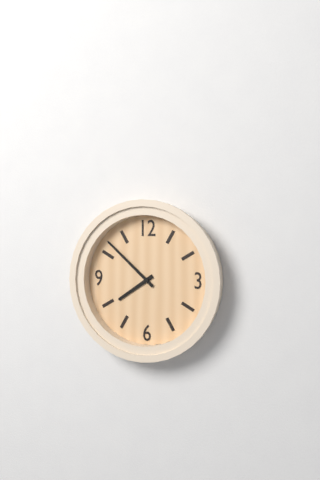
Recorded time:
h=7 m=52
